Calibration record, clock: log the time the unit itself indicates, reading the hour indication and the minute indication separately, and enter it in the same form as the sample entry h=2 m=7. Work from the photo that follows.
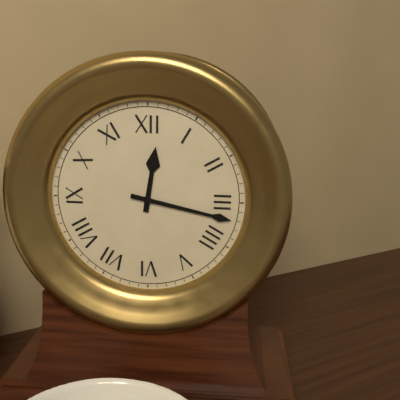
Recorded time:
h=12 m=17
